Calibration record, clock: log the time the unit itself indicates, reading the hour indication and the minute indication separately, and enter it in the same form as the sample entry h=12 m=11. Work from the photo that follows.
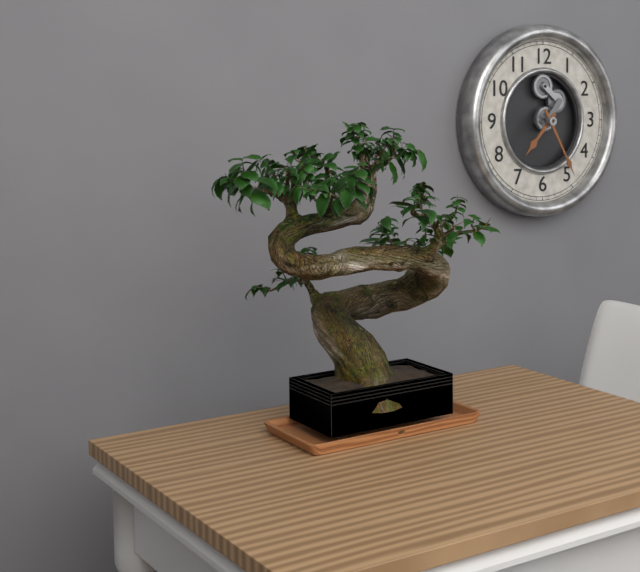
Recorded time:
h=7 m=25
